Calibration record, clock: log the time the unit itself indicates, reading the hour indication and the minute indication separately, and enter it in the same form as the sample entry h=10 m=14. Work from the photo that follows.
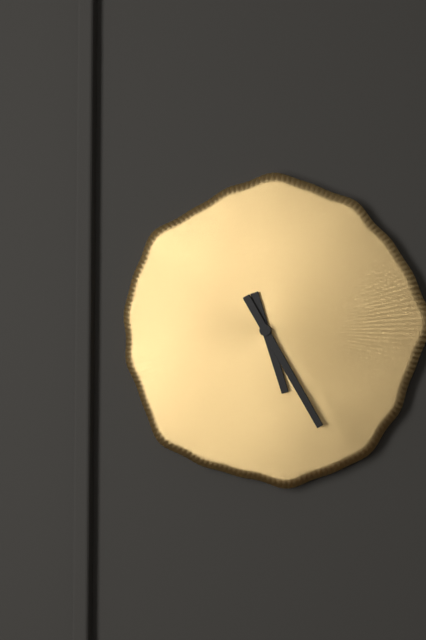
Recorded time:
h=5 m=25
